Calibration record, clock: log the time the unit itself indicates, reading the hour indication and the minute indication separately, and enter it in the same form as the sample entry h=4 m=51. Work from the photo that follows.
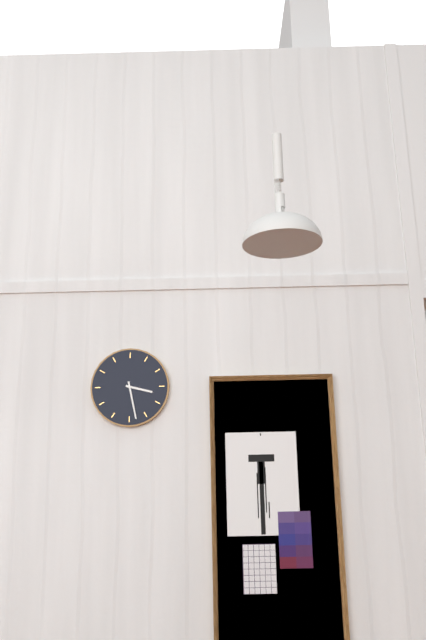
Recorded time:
h=3 m=28
